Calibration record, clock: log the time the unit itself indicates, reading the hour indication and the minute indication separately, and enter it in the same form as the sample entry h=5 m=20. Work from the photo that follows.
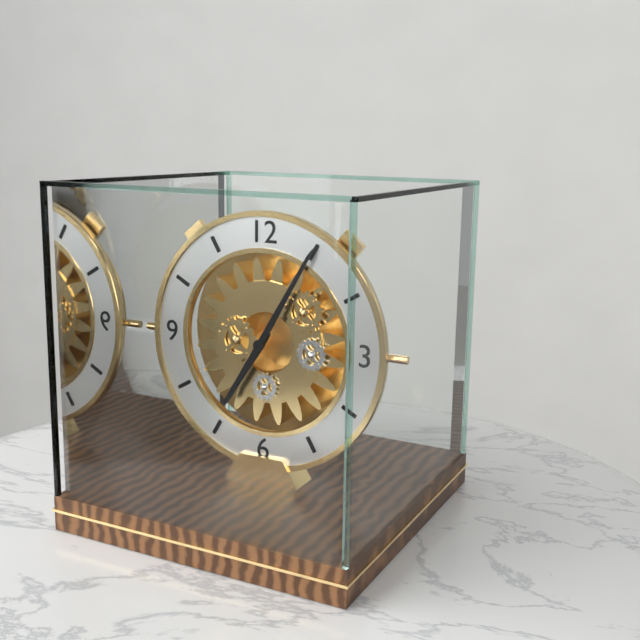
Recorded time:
h=7 m=5
